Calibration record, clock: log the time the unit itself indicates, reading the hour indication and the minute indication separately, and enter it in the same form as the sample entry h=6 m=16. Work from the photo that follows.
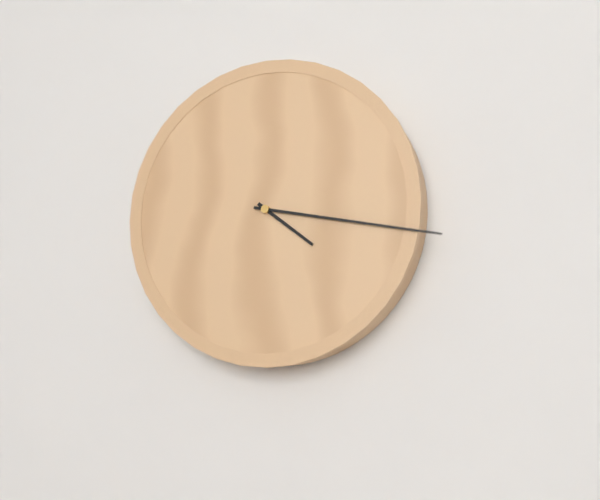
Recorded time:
h=4 m=17
